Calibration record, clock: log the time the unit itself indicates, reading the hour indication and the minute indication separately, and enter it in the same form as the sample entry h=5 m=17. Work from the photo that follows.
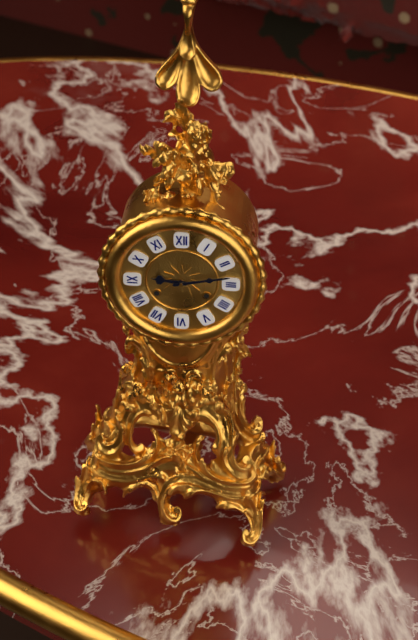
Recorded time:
h=9 m=13
